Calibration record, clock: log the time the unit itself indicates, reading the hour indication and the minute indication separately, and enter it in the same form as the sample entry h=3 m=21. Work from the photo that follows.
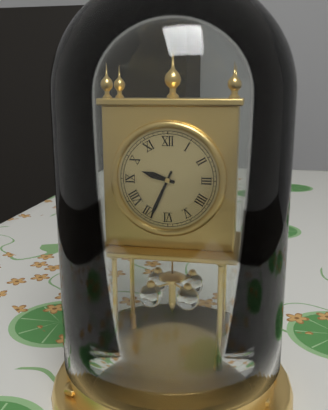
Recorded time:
h=9 m=34
